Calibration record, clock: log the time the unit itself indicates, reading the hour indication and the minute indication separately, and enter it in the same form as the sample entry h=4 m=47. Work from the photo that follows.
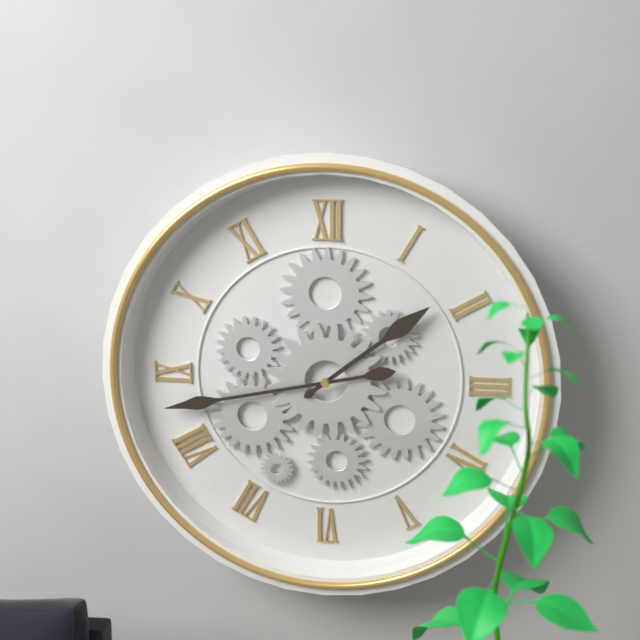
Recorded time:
h=1 m=43
